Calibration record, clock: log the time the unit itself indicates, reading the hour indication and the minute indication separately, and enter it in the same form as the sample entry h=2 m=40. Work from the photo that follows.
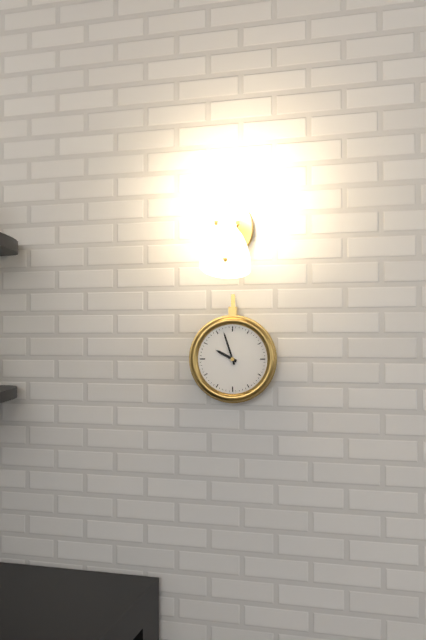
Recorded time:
h=9 m=57
